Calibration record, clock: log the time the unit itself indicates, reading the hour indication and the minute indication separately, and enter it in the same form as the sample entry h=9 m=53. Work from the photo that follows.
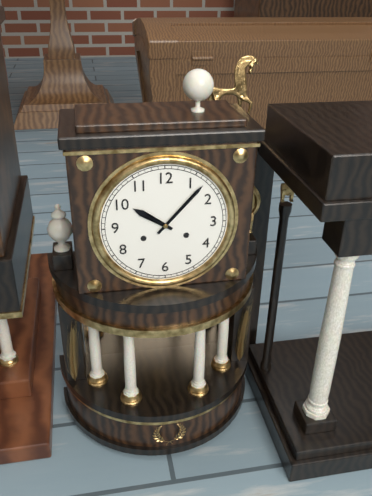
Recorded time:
h=10 m=7
